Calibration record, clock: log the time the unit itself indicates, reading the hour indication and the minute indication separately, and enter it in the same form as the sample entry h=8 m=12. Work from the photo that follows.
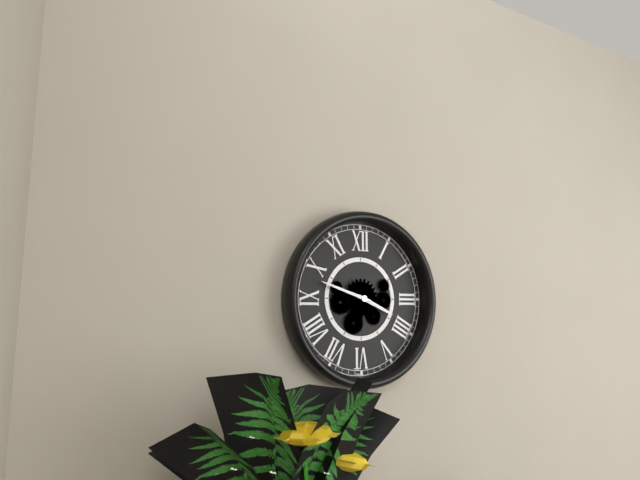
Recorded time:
h=3 m=48
